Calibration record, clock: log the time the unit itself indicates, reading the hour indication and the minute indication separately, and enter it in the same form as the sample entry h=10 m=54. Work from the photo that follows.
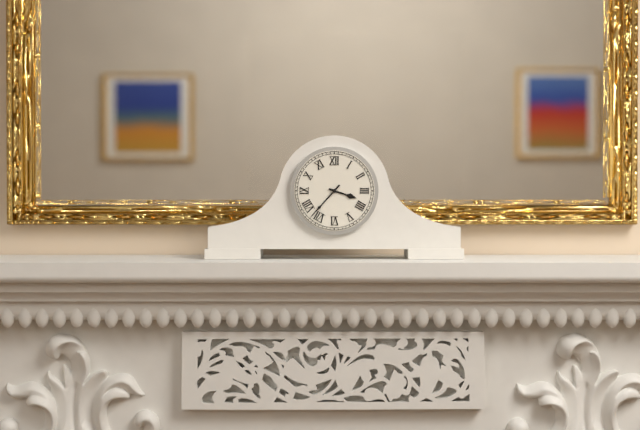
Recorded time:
h=3 m=37
